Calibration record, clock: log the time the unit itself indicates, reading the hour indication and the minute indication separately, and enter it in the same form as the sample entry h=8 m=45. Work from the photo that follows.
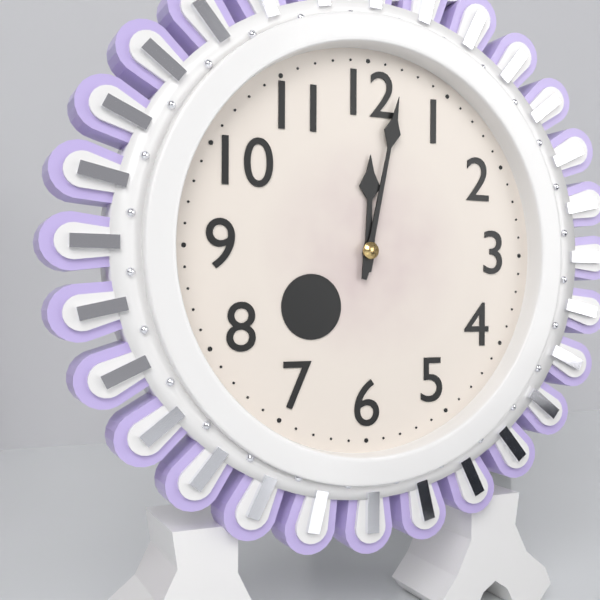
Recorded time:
h=12 m=2
